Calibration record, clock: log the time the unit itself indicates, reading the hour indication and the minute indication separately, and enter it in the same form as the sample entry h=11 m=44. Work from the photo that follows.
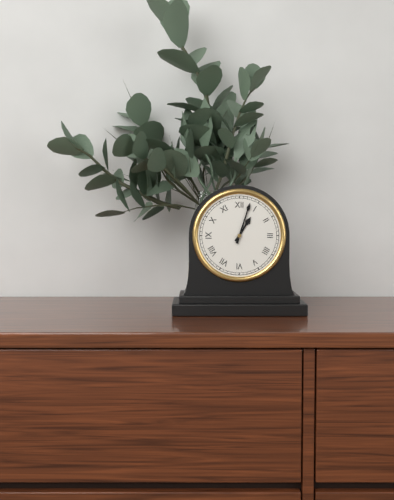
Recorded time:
h=1 m=3
